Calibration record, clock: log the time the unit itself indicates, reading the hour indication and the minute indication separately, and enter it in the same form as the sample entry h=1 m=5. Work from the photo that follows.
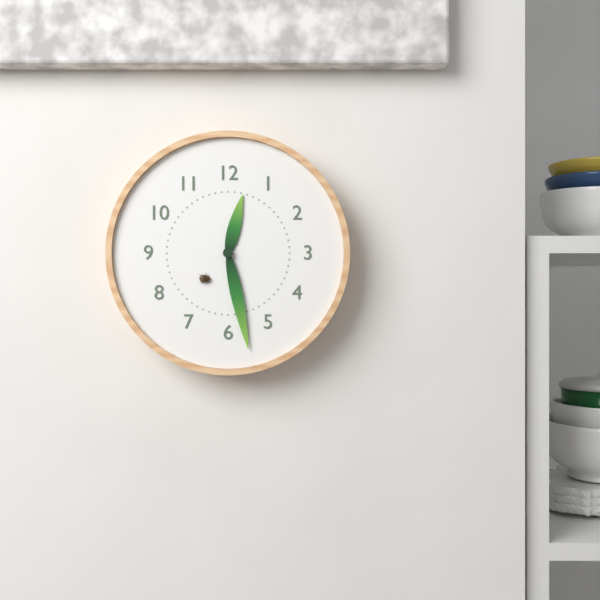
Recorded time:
h=12 m=28
